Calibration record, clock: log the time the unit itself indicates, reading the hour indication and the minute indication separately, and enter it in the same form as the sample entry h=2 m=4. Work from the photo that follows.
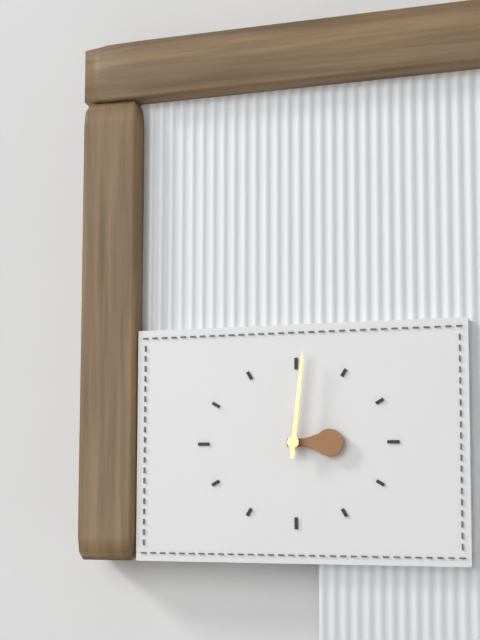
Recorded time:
h=3 m=1
